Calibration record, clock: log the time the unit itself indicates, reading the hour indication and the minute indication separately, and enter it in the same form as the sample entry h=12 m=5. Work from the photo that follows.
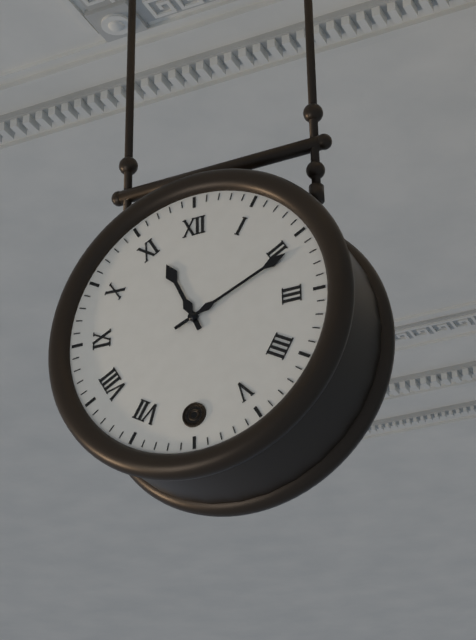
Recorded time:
h=11 m=11
